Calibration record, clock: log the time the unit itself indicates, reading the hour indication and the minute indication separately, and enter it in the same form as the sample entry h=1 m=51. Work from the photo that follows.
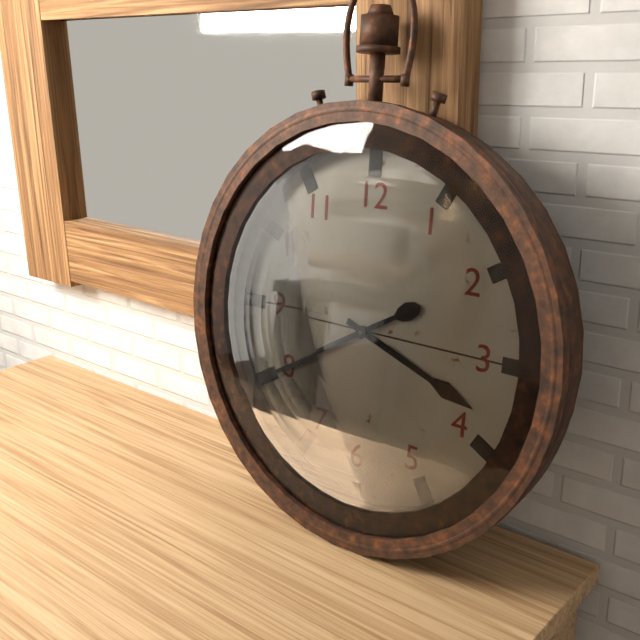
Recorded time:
h=3 m=40
